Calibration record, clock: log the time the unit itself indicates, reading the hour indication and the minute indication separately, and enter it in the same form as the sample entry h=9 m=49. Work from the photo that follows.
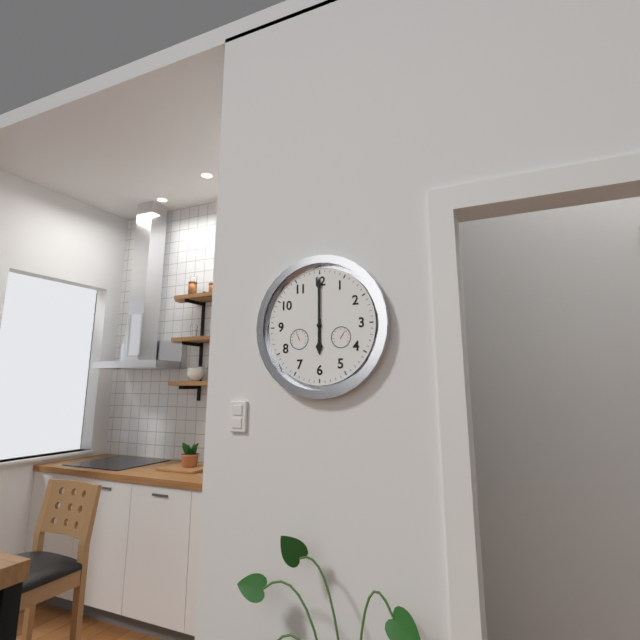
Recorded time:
h=6 m=0
